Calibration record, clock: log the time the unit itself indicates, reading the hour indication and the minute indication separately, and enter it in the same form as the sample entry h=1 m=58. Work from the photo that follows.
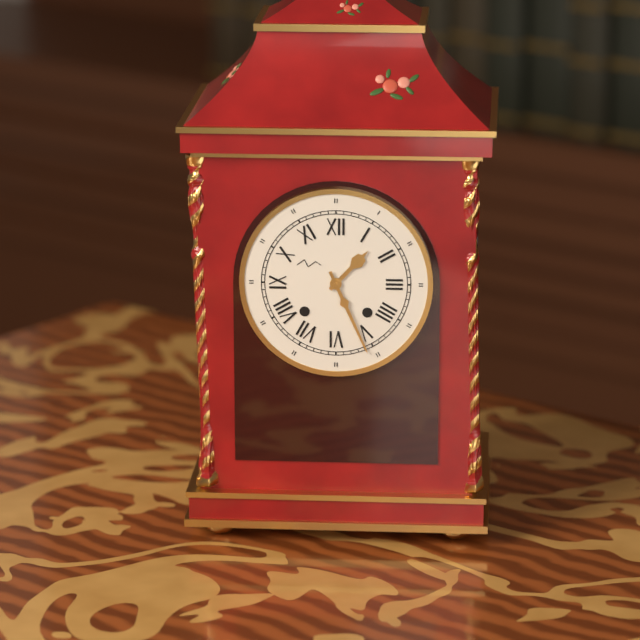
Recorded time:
h=1 m=26
